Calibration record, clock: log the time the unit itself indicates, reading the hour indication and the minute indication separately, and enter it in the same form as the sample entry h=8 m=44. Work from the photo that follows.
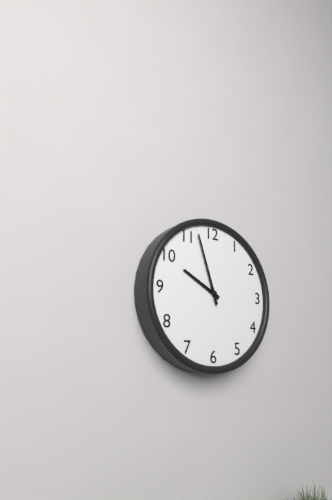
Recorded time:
h=9 m=57
